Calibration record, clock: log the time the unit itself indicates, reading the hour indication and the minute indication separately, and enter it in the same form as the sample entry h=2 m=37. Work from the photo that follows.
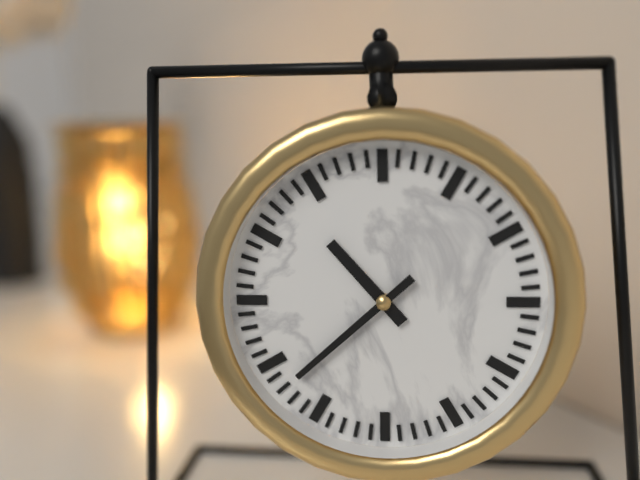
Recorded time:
h=10 m=38
